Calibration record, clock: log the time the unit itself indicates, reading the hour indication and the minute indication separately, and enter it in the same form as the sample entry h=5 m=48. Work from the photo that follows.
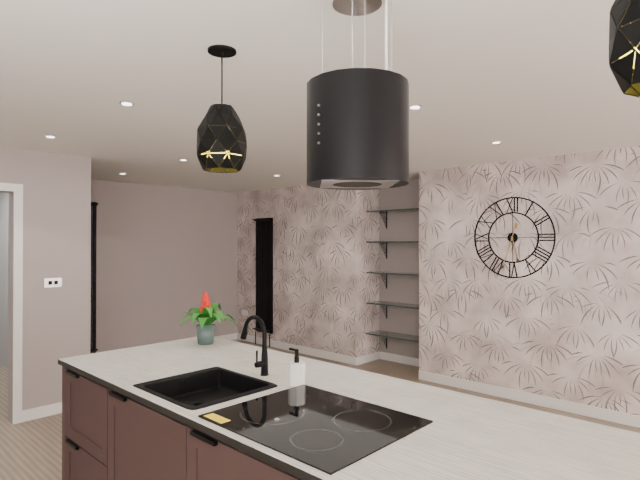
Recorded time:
h=5 m=33
